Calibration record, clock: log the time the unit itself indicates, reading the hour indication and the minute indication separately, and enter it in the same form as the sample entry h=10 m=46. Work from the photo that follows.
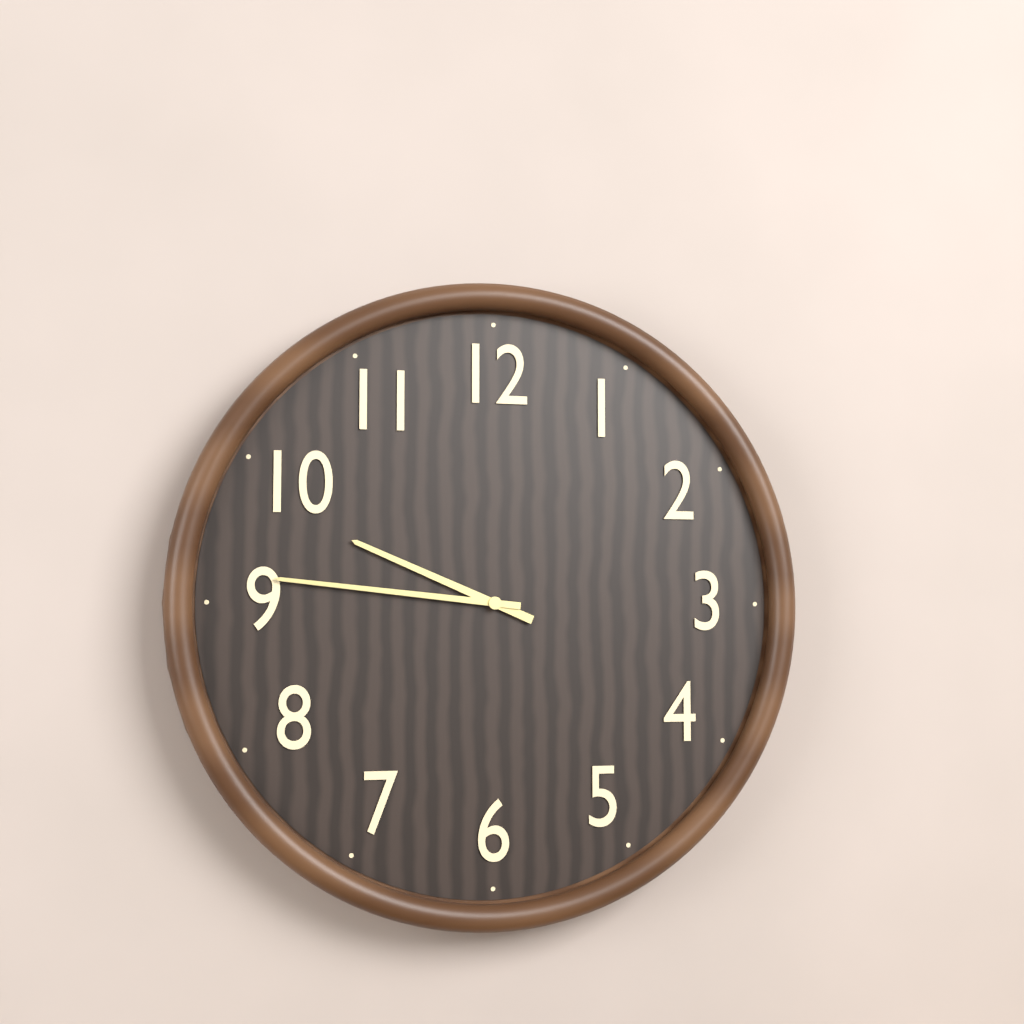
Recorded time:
h=9 m=46
